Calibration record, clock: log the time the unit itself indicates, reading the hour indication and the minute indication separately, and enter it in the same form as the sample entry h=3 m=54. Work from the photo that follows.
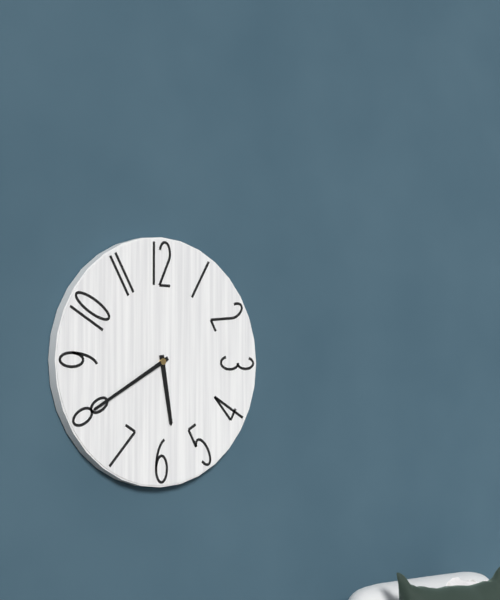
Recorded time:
h=5 m=40
